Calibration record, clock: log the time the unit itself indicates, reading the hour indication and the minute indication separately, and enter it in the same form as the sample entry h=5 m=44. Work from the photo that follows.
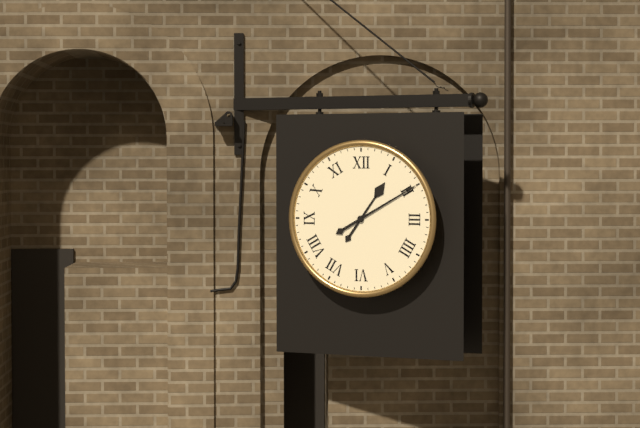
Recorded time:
h=1 m=10
